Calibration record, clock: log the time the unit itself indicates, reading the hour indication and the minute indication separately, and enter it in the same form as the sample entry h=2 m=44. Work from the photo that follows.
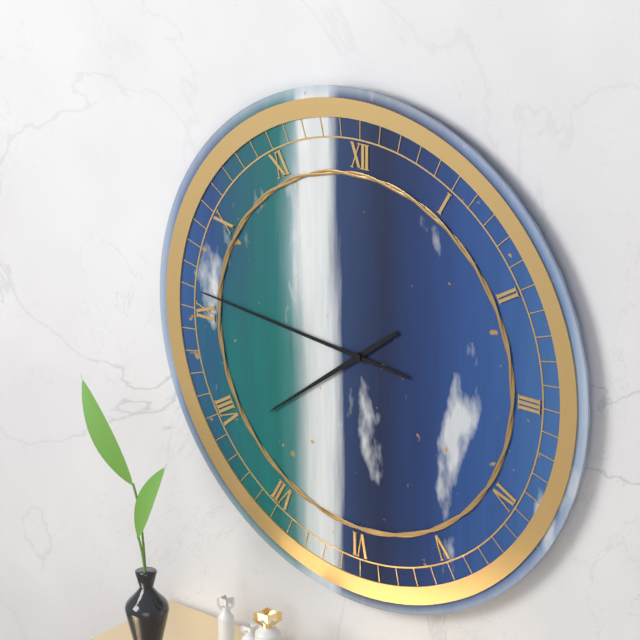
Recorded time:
h=7 m=46
